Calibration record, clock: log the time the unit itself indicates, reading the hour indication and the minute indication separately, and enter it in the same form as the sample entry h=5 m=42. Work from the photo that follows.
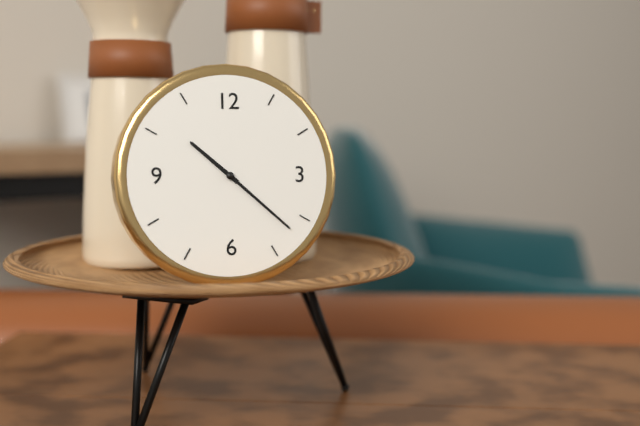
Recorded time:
h=10 m=22
